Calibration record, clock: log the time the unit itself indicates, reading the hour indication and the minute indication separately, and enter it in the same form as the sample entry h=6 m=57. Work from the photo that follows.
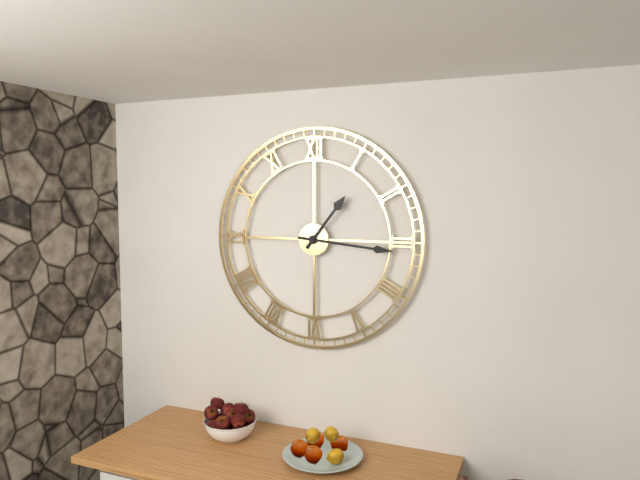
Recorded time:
h=1 m=16
